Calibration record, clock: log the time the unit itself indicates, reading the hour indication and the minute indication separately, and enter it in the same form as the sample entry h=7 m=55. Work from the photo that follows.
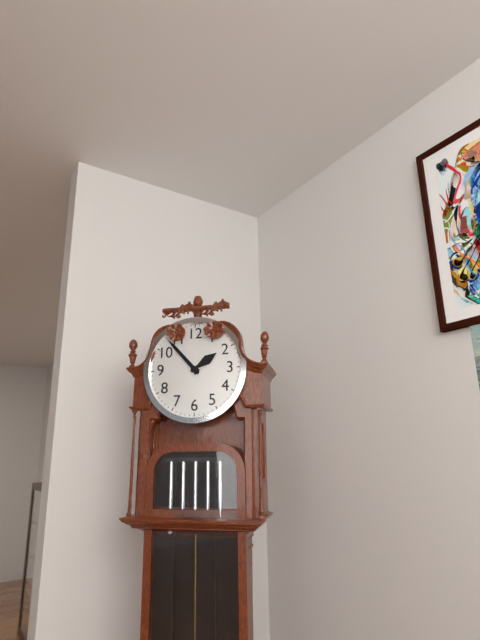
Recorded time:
h=1 m=53
